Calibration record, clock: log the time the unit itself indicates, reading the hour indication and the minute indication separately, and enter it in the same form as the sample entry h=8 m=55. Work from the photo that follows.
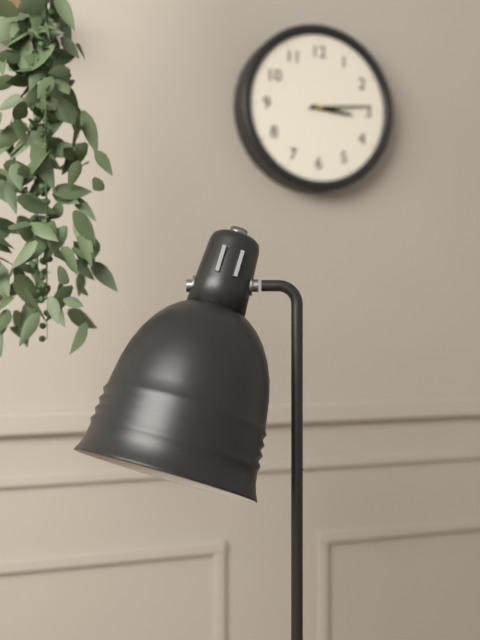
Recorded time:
h=3 m=14
